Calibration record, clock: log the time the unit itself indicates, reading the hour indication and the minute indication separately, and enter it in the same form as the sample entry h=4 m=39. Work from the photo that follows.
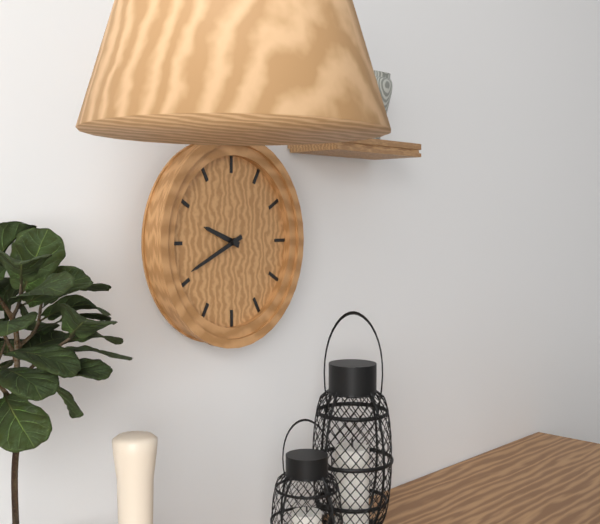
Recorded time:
h=9 m=41
